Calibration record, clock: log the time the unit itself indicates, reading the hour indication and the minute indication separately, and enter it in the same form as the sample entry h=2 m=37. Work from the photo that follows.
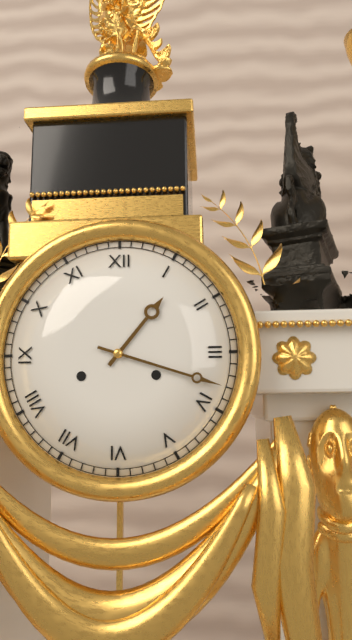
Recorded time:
h=1 m=18
